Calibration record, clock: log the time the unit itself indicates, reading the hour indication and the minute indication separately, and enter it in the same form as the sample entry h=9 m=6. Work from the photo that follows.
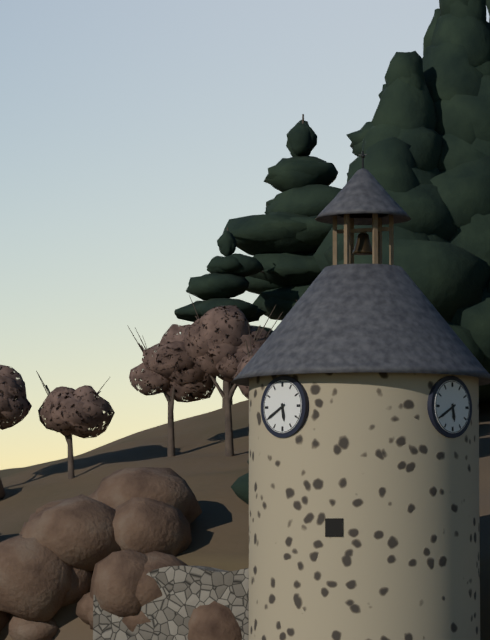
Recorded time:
h=5 m=40
